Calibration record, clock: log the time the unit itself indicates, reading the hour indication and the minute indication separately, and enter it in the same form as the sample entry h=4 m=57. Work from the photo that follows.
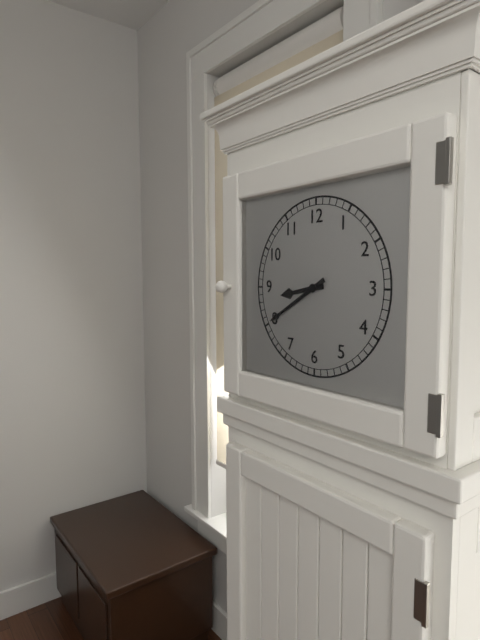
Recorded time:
h=8 m=40
